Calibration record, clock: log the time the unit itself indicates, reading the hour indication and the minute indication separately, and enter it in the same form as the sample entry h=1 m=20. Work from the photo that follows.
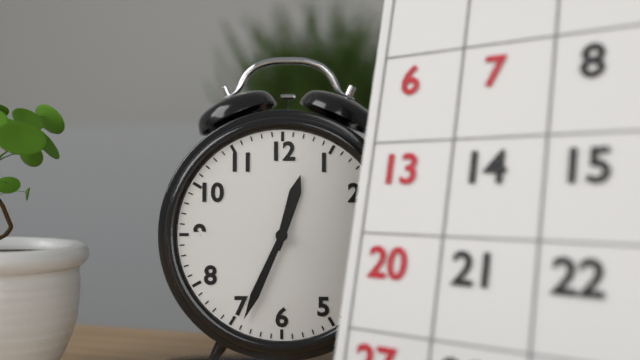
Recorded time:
h=12 m=34
